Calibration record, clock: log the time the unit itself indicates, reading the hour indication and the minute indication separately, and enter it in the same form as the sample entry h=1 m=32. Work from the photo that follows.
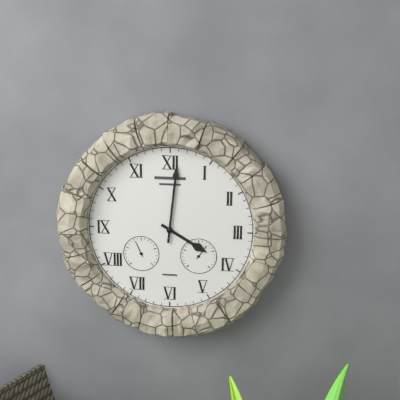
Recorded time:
h=4 m=1
